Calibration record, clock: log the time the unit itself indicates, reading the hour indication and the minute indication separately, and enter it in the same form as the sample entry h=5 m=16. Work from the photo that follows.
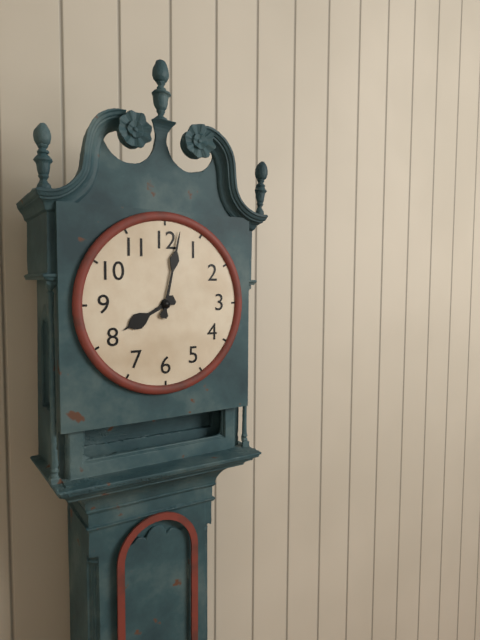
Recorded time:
h=8 m=2
